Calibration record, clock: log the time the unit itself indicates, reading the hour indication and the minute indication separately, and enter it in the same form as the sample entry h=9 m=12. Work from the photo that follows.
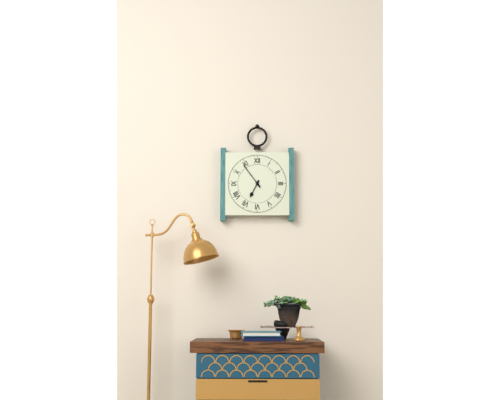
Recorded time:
h=6 m=54
